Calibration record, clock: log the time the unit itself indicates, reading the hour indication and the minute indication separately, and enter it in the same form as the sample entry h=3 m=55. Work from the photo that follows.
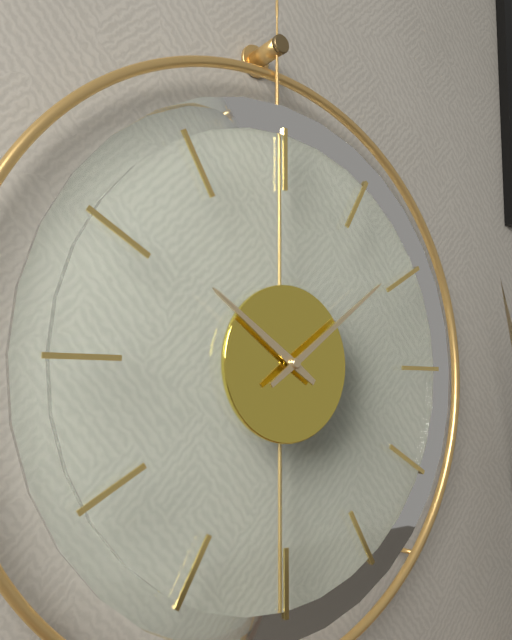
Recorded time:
h=10 m=9
